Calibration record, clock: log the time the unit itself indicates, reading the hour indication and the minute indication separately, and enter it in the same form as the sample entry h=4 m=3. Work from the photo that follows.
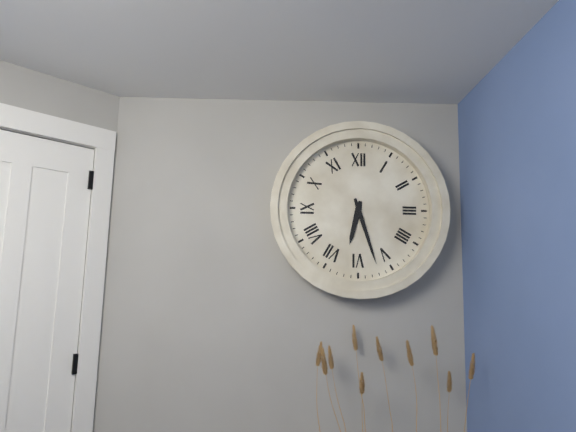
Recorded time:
h=6 m=27
